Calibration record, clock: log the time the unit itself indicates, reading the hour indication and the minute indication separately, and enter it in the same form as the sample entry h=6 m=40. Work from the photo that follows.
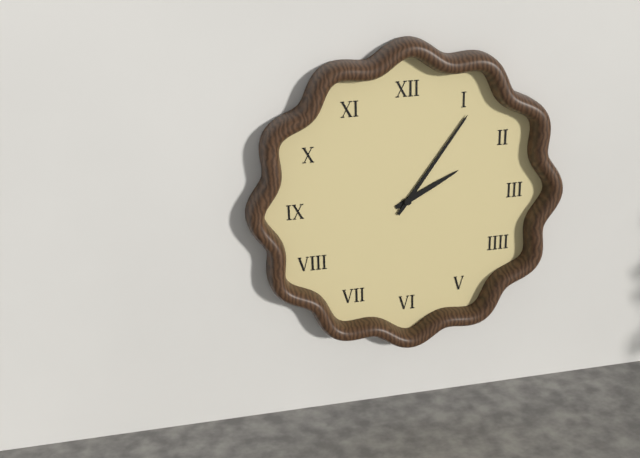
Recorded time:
h=2 m=6
